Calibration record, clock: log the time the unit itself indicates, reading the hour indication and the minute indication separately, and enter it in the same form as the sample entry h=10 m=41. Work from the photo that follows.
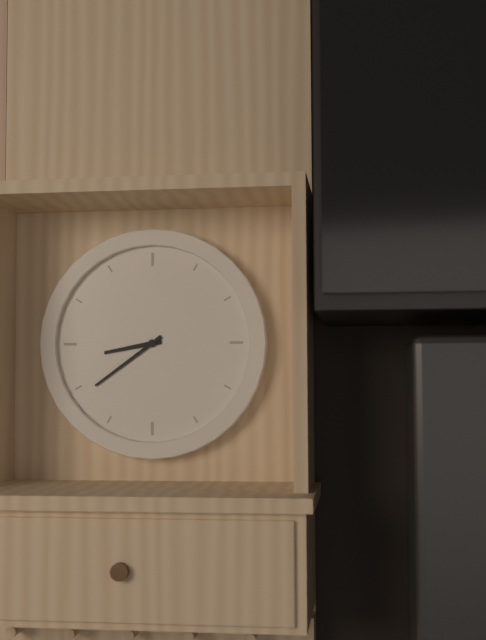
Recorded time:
h=8 m=39
